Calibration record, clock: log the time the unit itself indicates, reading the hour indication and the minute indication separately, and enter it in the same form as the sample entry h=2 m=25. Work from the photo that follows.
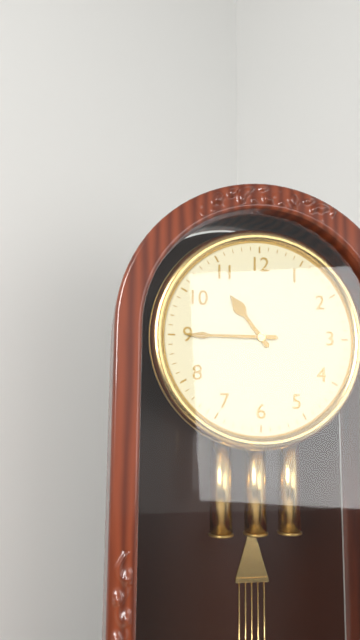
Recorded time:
h=10 m=45
